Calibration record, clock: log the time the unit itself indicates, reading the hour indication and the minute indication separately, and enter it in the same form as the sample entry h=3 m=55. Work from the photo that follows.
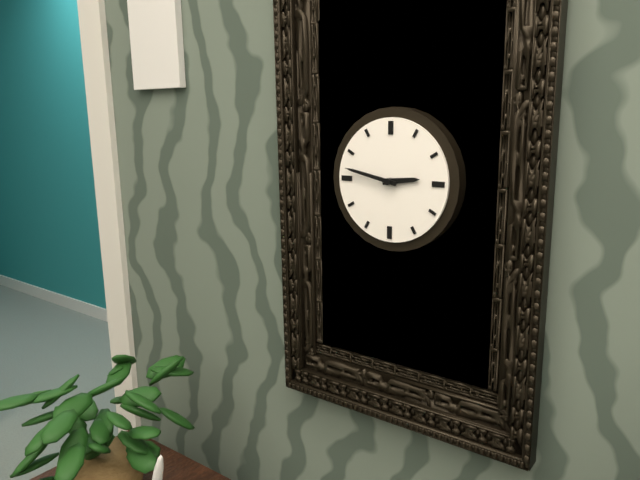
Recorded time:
h=2 m=47
